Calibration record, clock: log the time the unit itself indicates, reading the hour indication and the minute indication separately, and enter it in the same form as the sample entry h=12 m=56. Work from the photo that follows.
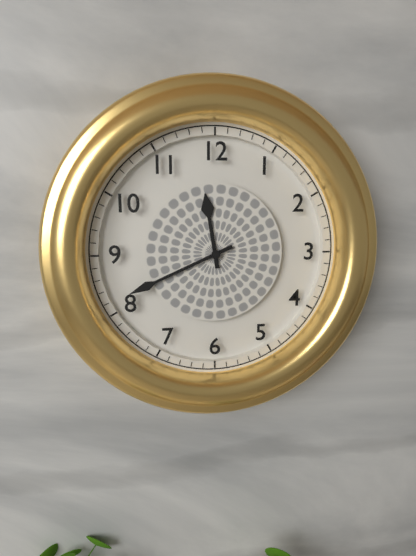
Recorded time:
h=11 m=41
